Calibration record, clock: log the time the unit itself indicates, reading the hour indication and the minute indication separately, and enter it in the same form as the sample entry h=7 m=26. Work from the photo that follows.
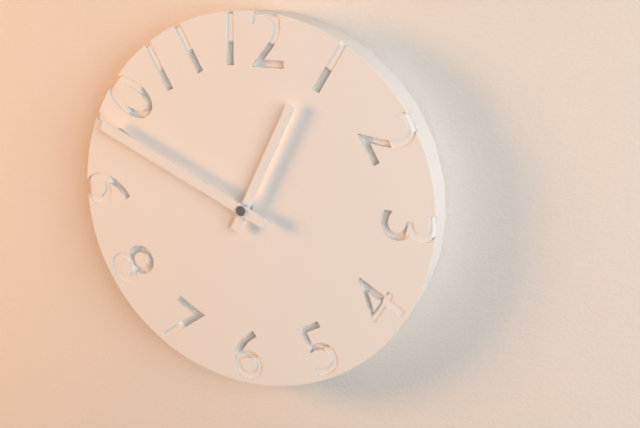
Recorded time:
h=12 m=49
